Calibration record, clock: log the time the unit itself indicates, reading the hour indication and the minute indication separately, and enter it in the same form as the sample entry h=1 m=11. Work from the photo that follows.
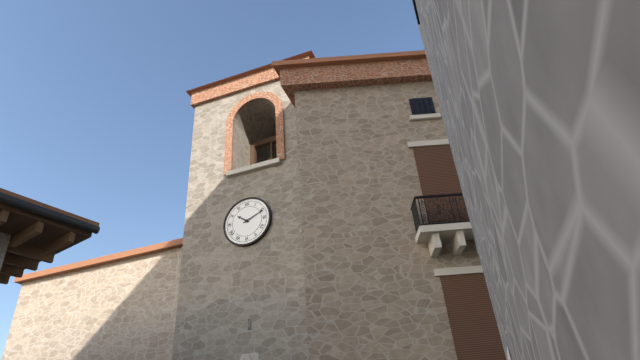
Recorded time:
h=10 m=11
